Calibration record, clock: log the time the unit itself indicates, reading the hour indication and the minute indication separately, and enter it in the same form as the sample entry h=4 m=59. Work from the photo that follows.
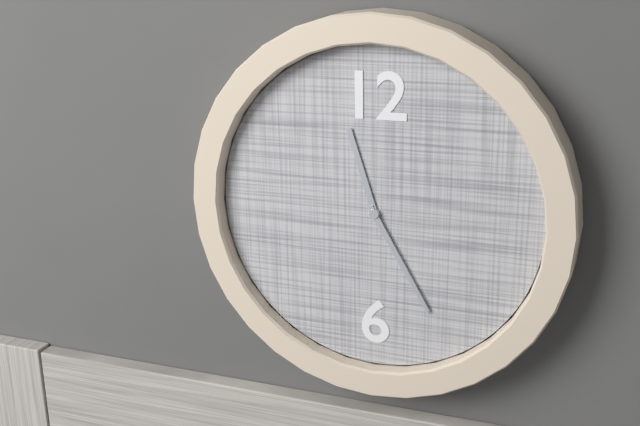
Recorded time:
h=11 m=25
